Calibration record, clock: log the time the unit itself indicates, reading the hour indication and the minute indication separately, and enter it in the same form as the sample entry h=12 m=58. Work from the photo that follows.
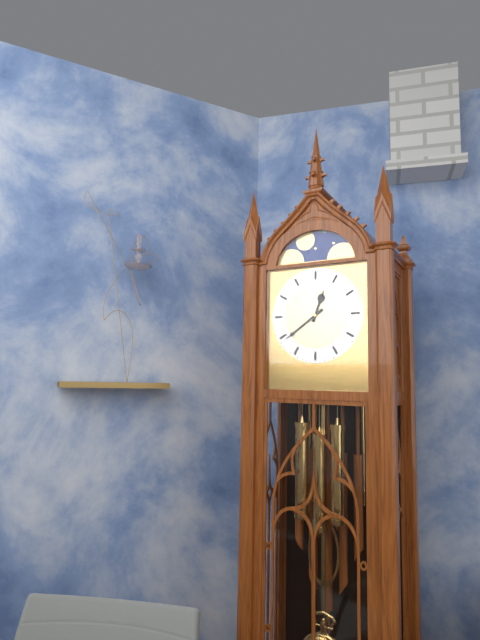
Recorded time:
h=12 m=39
